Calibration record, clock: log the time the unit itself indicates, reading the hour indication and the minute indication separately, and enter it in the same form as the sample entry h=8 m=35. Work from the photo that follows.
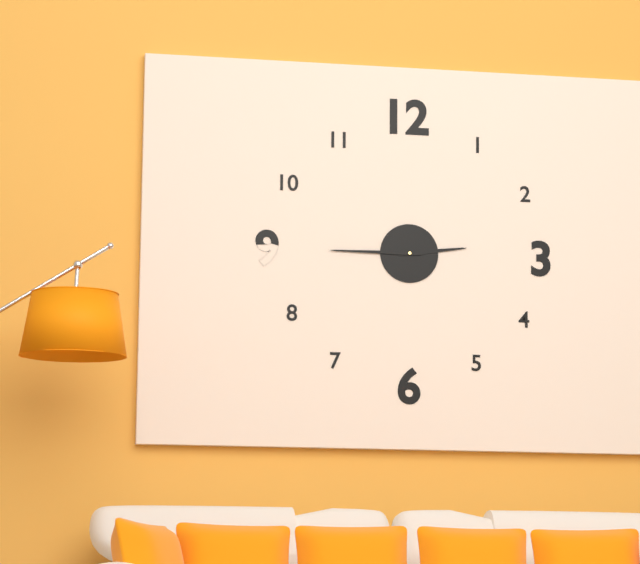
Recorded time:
h=2 m=45
